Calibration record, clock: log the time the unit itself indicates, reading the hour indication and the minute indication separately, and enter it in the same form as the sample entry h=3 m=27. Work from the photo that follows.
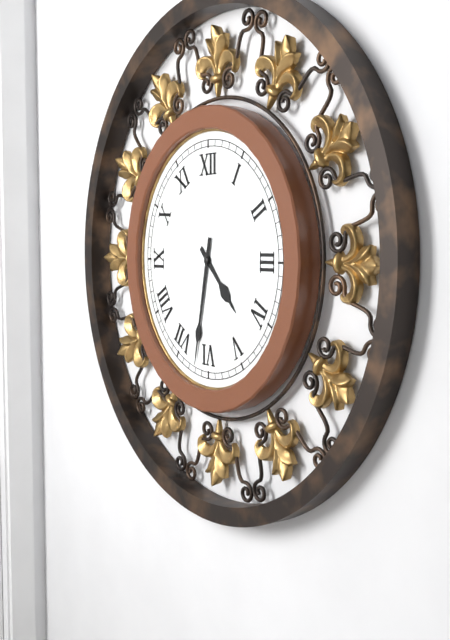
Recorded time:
h=4 m=32
